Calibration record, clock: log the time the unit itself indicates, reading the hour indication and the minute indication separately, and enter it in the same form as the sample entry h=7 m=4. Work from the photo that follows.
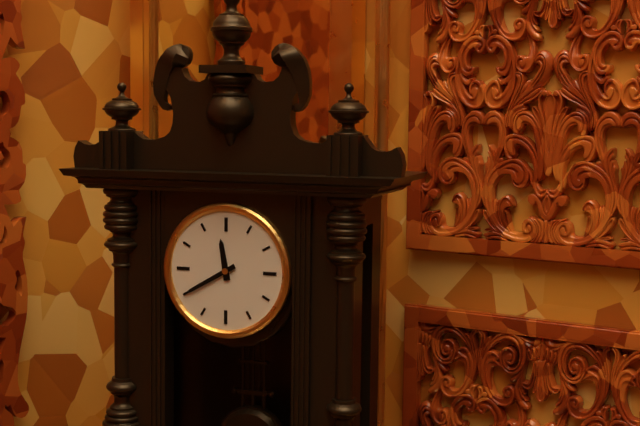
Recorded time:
h=11 m=40
